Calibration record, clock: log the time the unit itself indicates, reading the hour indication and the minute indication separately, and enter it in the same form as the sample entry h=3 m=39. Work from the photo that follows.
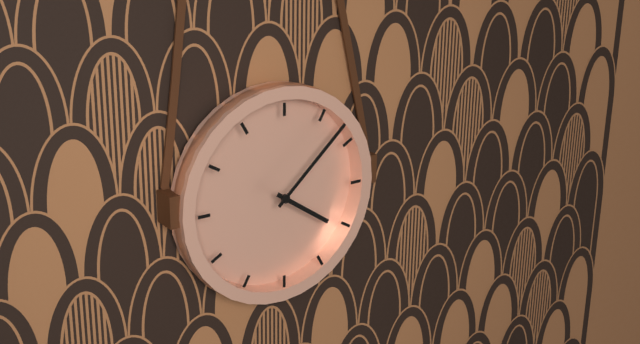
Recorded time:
h=4 m=8
